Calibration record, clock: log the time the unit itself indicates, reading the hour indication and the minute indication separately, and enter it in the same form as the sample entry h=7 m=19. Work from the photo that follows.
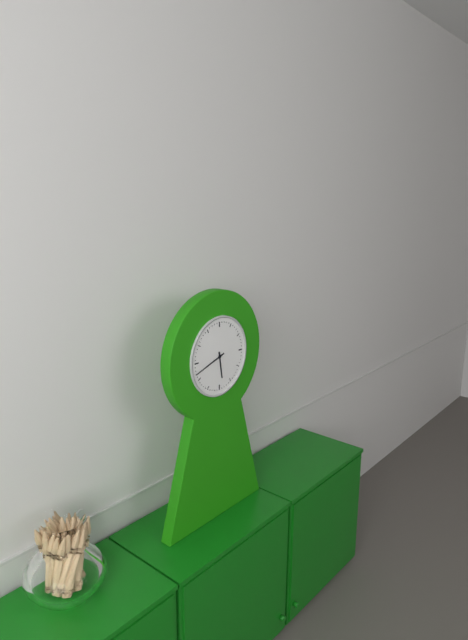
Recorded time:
h=5 m=42
